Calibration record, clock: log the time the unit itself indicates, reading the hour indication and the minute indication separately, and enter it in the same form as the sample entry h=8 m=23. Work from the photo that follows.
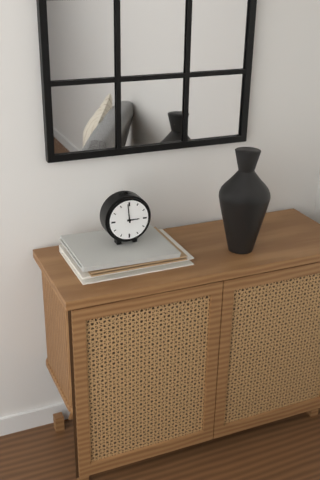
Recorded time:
h=2 m=59
